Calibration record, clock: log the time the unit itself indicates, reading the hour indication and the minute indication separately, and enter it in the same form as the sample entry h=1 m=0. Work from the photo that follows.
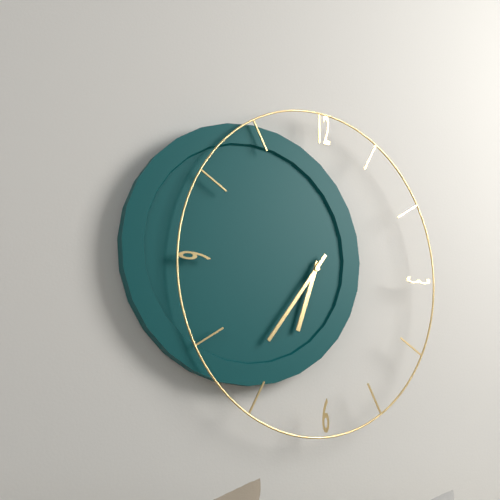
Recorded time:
h=6 m=36
